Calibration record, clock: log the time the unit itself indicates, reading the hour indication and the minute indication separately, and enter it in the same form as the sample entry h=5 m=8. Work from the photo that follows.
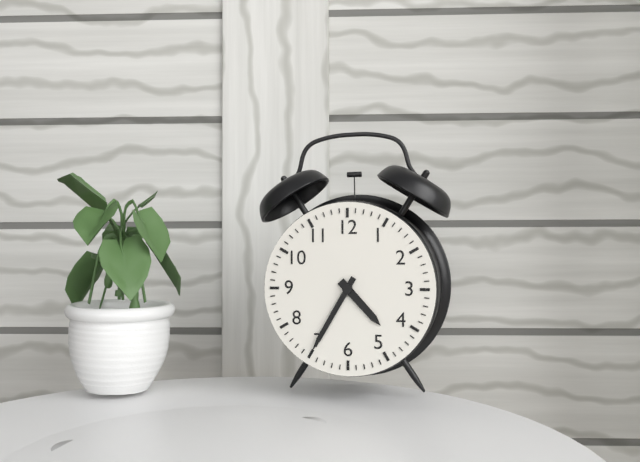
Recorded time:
h=4 m=35
